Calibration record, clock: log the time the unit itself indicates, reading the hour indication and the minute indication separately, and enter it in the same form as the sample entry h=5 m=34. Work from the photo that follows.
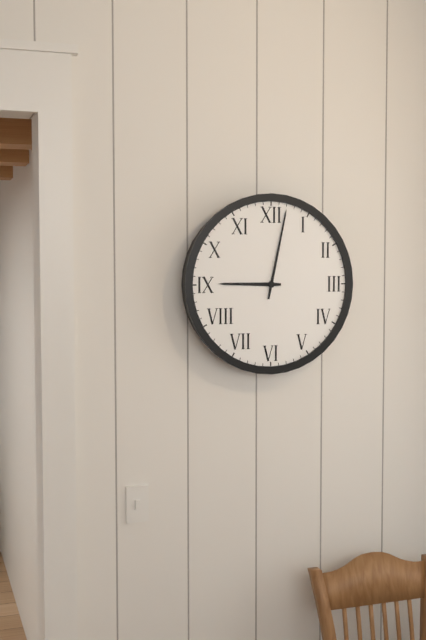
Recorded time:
h=9 m=2
